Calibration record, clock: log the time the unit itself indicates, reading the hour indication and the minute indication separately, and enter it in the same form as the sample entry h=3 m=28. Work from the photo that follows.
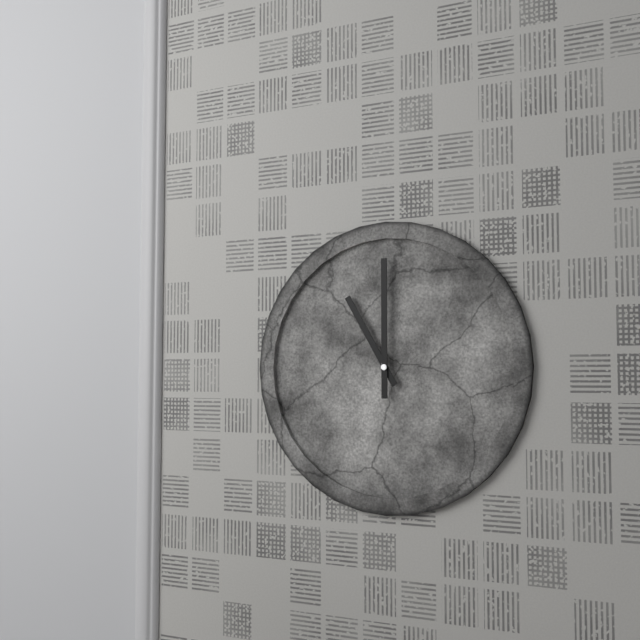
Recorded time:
h=11 m=0
